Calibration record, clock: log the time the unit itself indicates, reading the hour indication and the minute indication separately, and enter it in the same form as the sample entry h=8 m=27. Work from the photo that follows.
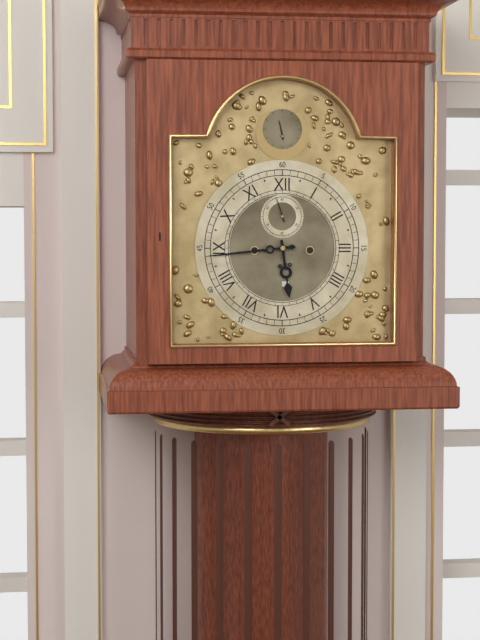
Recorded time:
h=5 m=44
